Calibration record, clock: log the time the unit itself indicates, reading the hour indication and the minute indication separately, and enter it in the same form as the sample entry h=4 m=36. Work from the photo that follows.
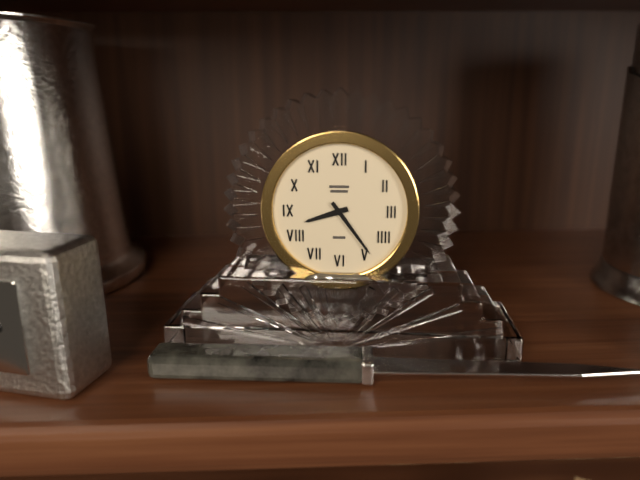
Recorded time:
h=8 m=24
